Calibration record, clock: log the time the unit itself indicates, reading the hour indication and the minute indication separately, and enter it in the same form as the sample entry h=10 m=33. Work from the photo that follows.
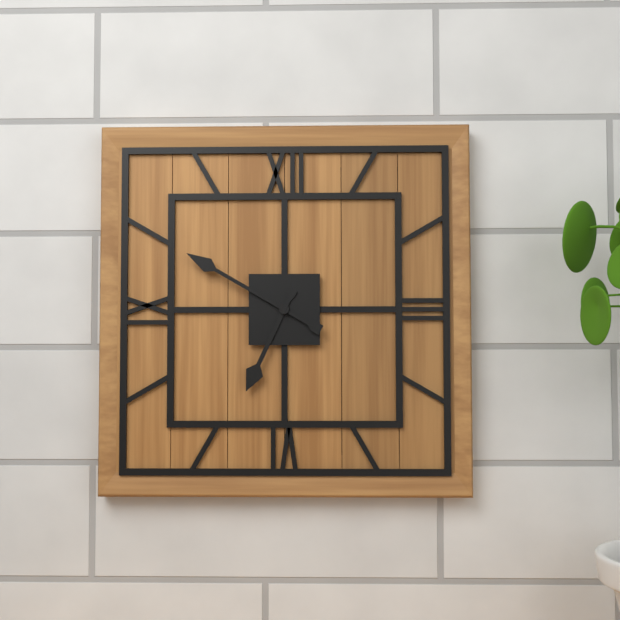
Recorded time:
h=6 m=50
